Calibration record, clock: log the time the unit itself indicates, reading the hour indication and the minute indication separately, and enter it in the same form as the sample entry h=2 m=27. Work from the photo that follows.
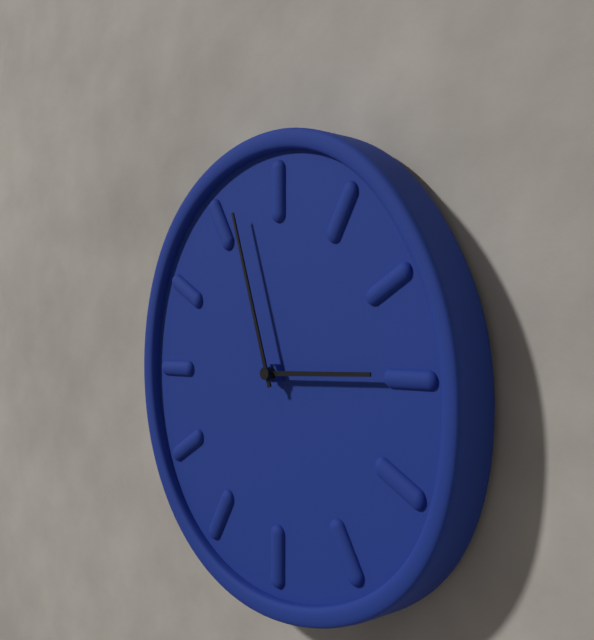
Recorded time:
h=2 m=57
